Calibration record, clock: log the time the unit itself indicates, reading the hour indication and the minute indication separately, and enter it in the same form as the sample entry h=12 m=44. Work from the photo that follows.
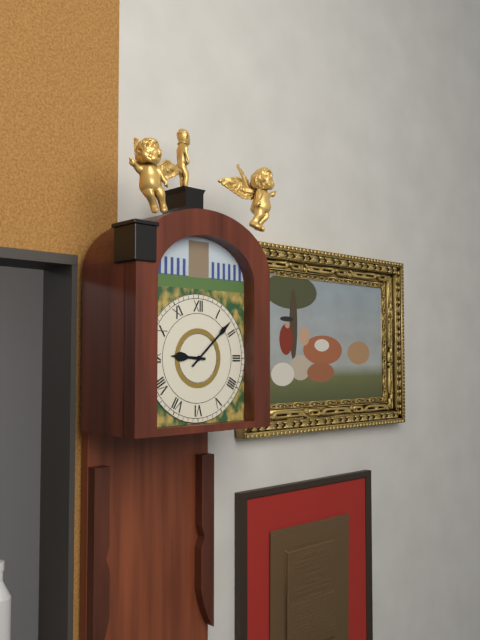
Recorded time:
h=9 m=8
